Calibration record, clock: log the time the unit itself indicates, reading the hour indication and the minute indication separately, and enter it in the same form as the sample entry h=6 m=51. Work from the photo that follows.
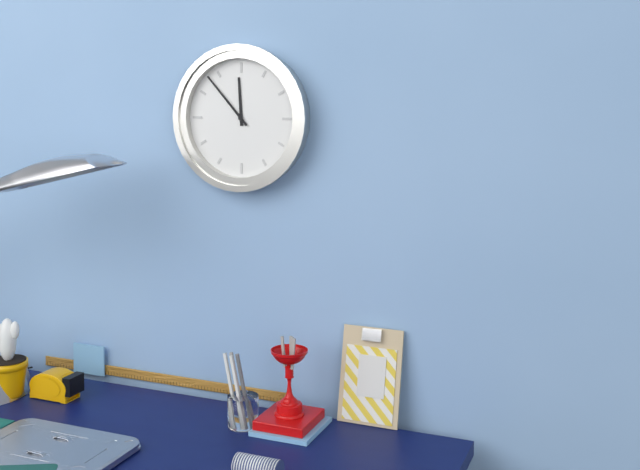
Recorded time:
h=11 m=53
